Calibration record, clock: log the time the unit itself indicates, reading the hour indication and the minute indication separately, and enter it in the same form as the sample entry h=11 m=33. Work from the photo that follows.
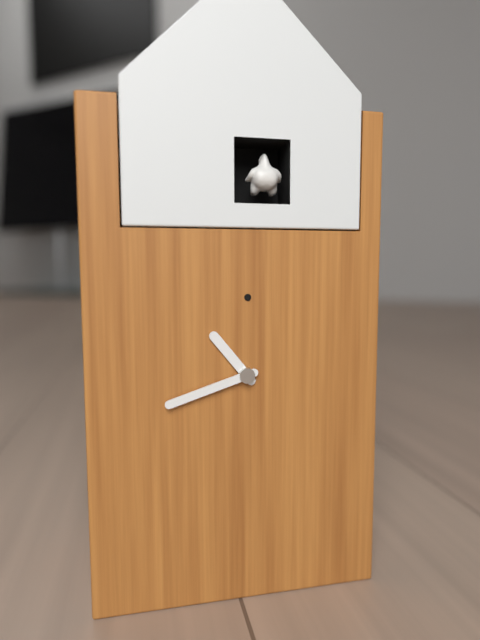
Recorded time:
h=10 m=42
